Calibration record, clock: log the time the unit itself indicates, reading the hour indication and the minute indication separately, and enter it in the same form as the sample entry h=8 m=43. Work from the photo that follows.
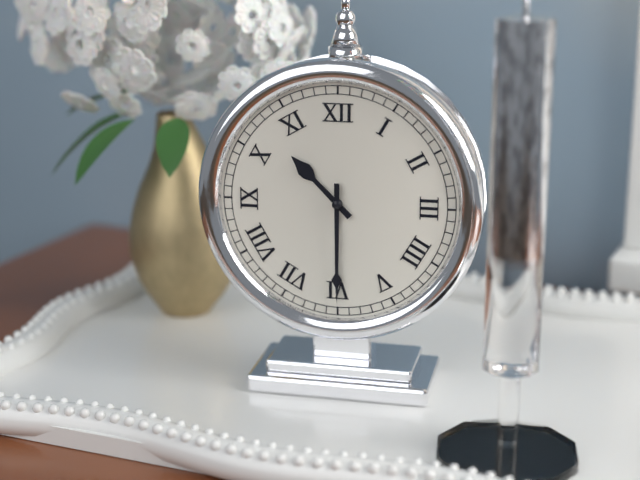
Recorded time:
h=10 m=30
